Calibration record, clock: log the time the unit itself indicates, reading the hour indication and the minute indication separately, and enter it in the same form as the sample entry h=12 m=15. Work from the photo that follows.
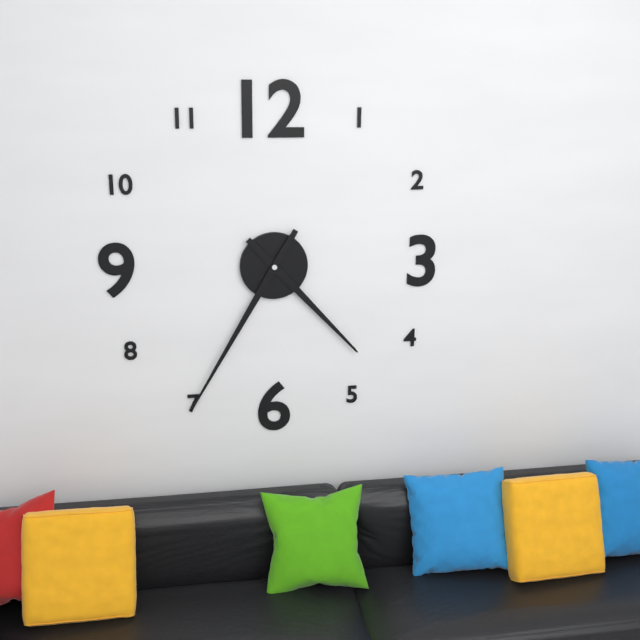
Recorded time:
h=4 m=35
